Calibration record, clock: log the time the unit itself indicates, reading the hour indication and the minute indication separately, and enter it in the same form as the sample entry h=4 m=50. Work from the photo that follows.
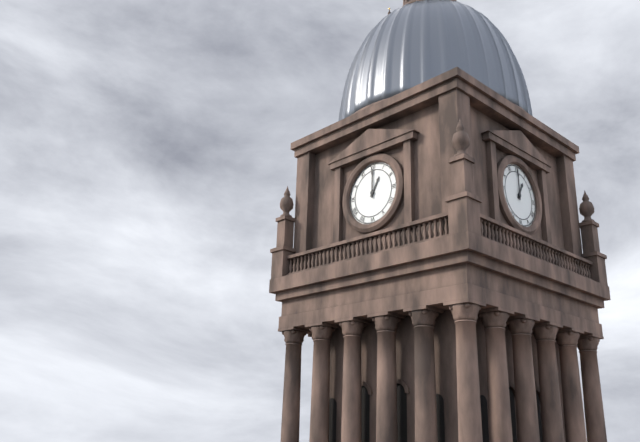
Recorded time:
h=1 m=0
